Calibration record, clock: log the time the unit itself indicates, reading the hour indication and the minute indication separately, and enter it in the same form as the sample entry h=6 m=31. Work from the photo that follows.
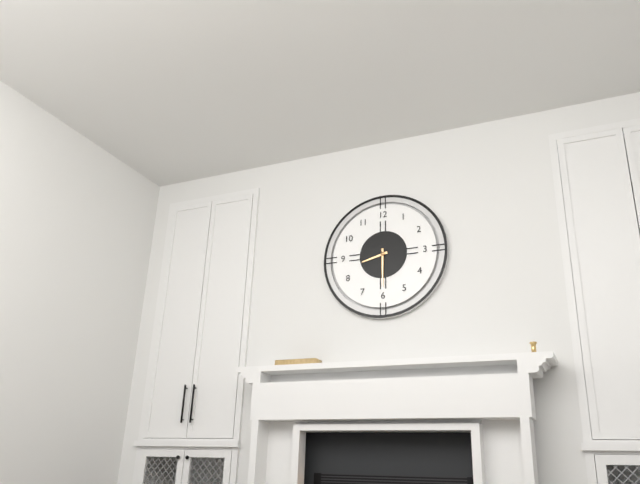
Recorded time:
h=8 m=30
